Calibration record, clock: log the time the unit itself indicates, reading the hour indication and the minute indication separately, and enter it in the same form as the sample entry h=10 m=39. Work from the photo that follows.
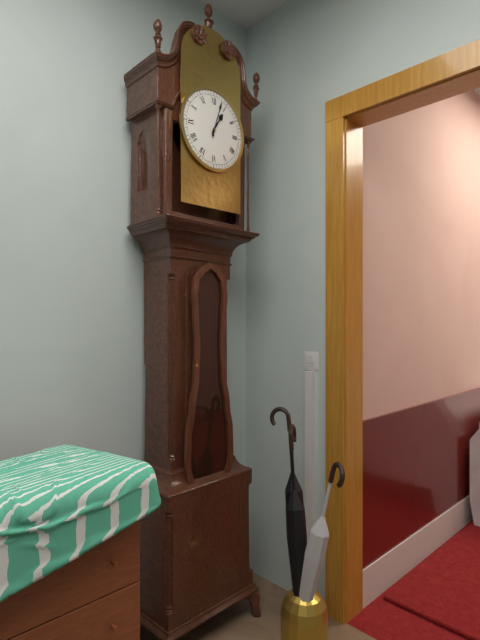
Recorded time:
h=1 m=3
